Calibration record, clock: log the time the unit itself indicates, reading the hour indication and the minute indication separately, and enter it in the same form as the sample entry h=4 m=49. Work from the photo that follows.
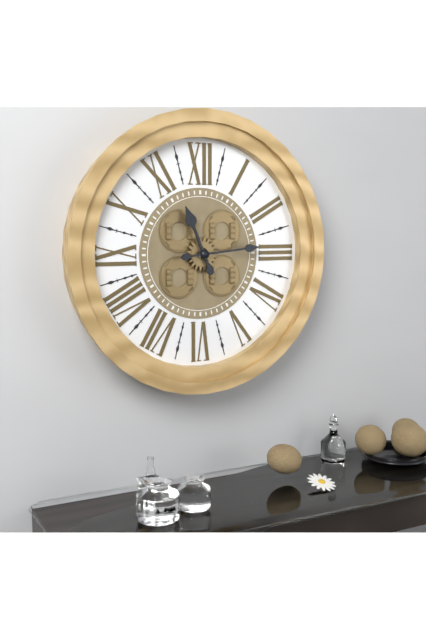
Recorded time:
h=11 m=14
